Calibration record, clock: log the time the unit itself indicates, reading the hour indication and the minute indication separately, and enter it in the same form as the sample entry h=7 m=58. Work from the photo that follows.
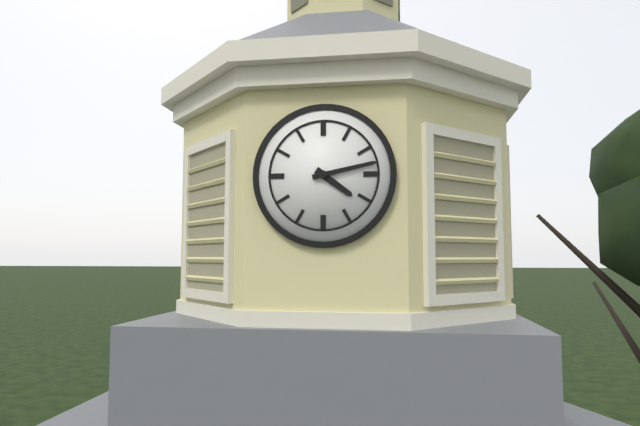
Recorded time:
h=4 m=13
